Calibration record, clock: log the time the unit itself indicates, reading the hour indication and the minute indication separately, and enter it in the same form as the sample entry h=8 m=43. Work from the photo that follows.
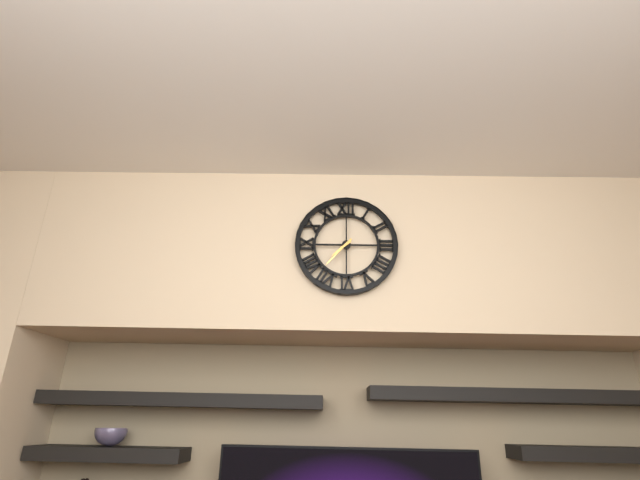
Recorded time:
h=7 m=37
